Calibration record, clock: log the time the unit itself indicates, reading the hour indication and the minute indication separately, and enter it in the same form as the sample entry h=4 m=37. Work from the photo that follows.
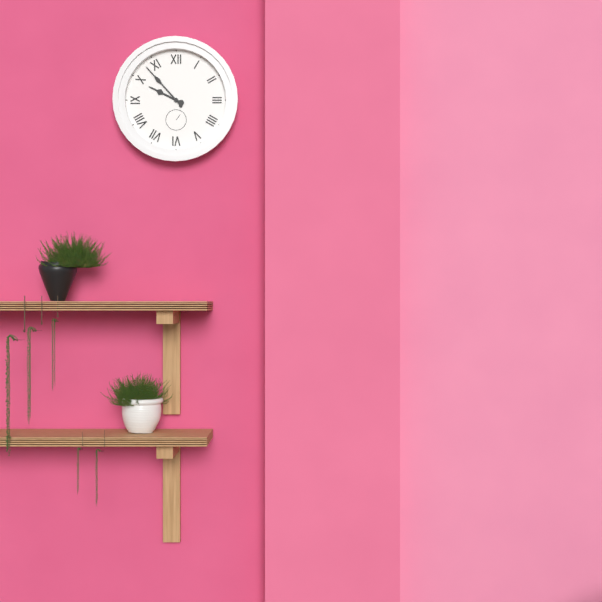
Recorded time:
h=9 m=53
